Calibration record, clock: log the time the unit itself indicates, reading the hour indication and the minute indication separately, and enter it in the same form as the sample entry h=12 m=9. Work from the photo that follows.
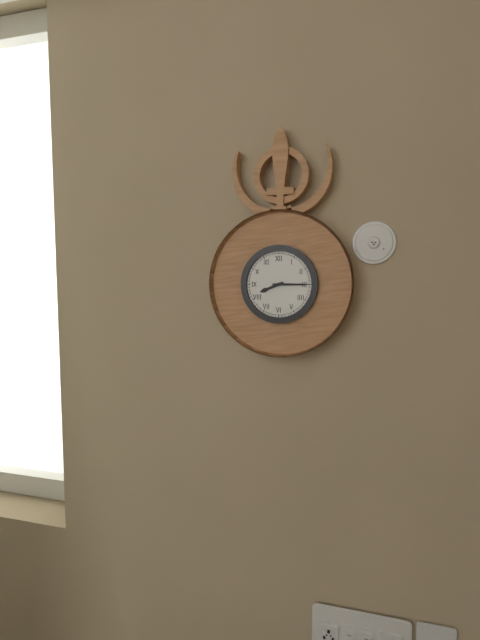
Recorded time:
h=8 m=15
